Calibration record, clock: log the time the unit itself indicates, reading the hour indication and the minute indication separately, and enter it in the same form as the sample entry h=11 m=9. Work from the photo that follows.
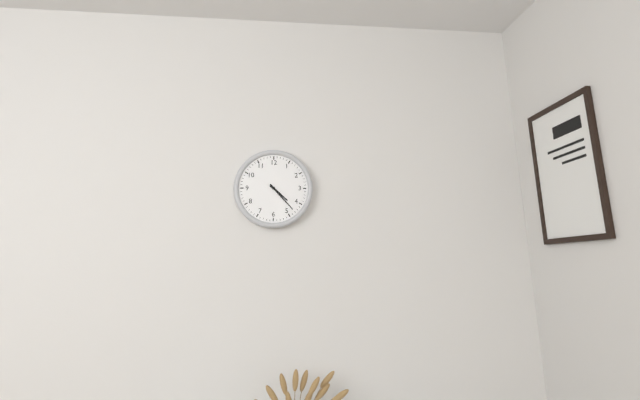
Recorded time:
h=4 m=23
